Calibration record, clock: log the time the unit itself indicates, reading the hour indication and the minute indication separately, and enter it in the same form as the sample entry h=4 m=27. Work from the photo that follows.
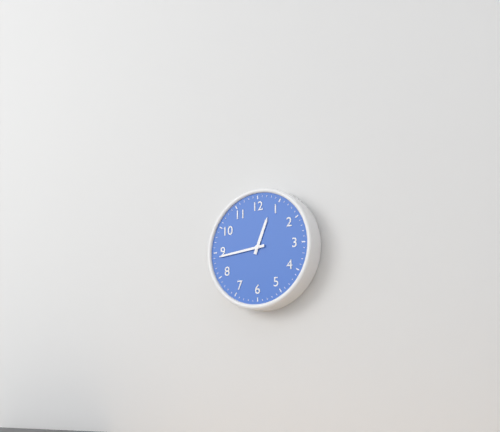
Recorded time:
h=12 m=44
